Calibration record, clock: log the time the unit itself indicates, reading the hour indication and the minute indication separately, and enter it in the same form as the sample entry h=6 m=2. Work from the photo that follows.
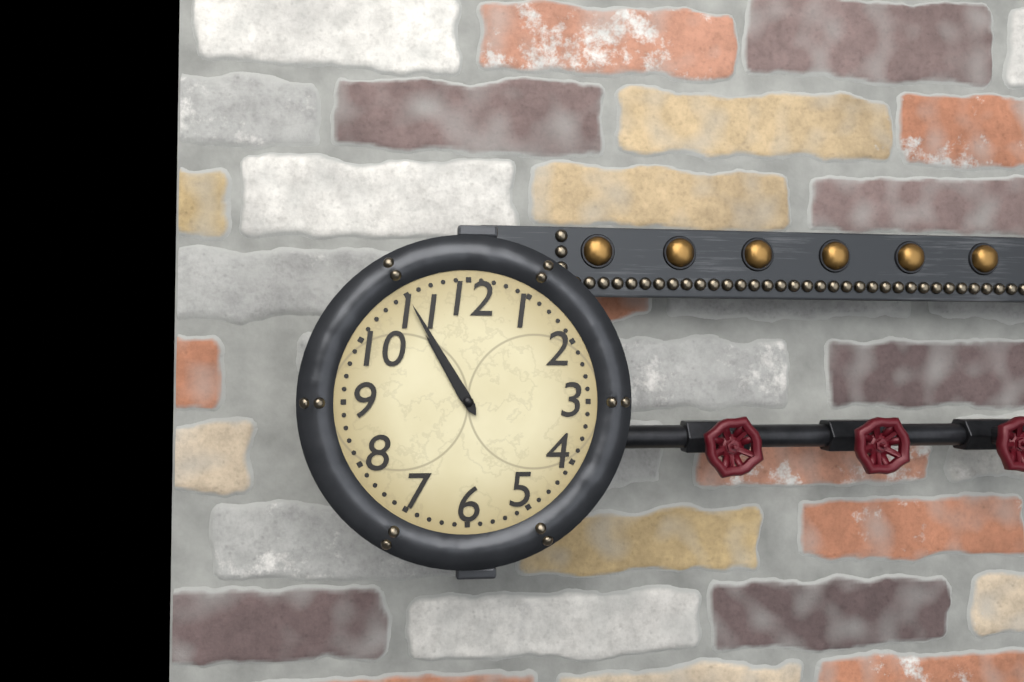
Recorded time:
h=10 m=55
